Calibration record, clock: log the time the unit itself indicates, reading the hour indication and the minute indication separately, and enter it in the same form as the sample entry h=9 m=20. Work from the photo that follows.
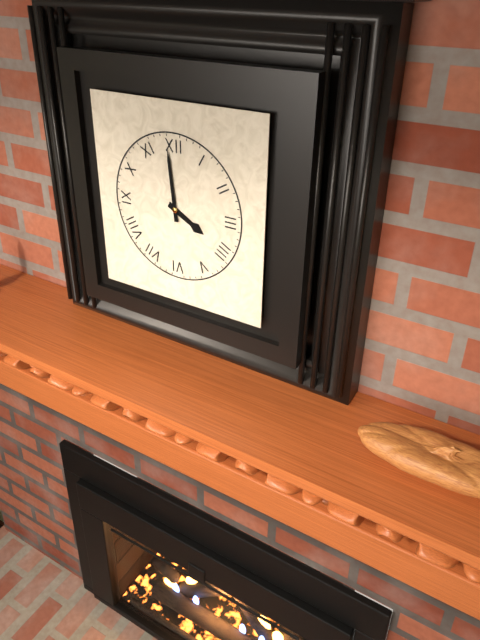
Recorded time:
h=3 m=59
